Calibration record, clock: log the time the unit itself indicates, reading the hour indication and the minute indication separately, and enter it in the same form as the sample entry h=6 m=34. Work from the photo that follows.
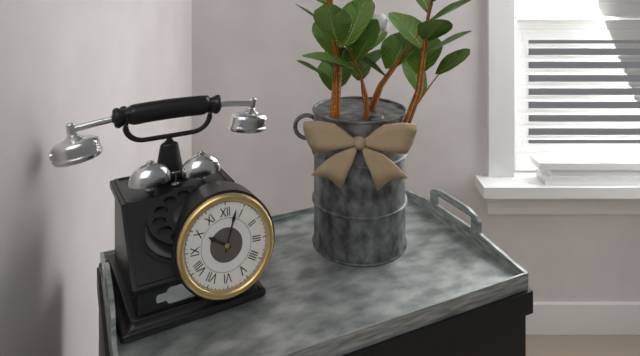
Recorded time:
h=10 m=3
